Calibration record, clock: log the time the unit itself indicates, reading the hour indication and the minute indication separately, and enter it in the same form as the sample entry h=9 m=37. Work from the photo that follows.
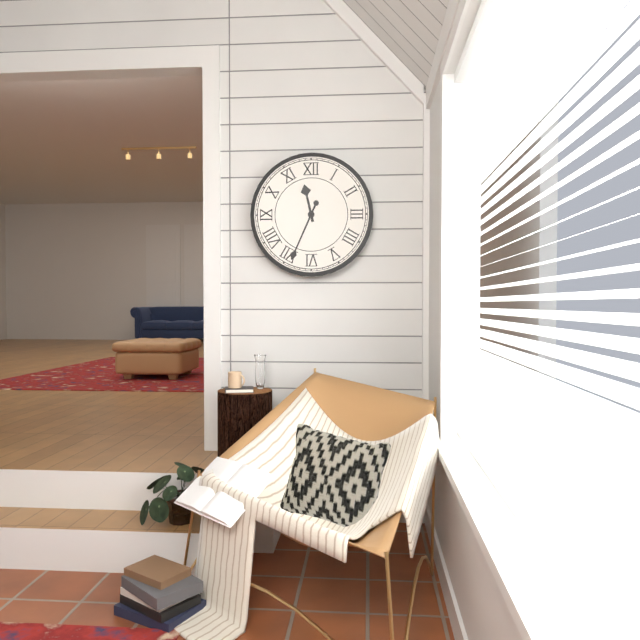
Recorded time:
h=11 m=34
